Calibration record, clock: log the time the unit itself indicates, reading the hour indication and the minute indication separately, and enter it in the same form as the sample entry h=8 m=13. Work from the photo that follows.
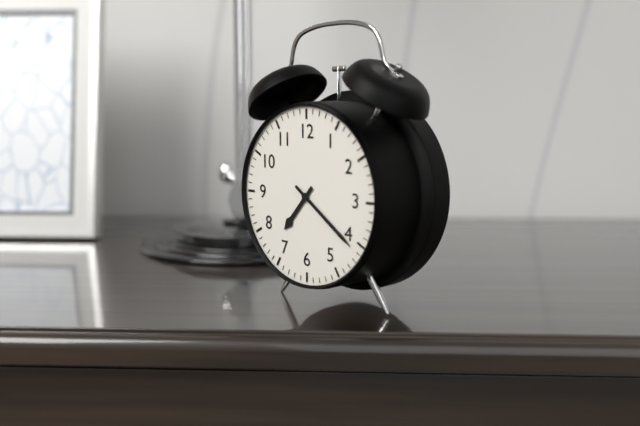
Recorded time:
h=7 m=21
